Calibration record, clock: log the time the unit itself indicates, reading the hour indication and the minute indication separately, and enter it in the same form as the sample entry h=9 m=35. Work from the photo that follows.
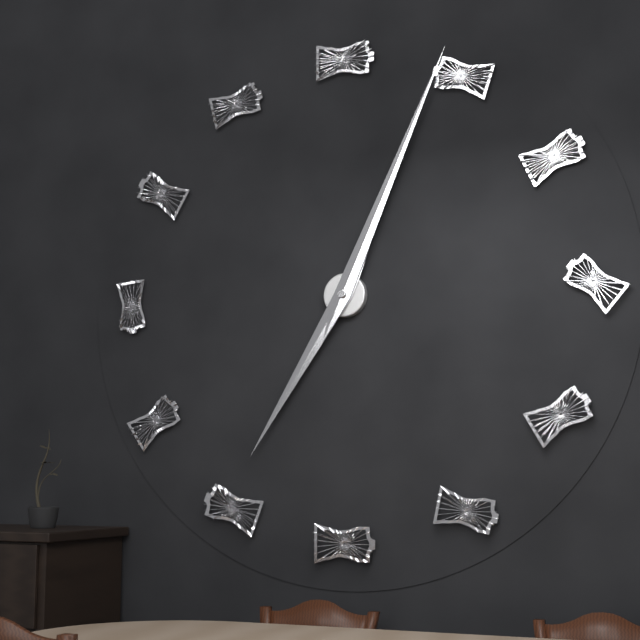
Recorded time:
h=7 m=4
